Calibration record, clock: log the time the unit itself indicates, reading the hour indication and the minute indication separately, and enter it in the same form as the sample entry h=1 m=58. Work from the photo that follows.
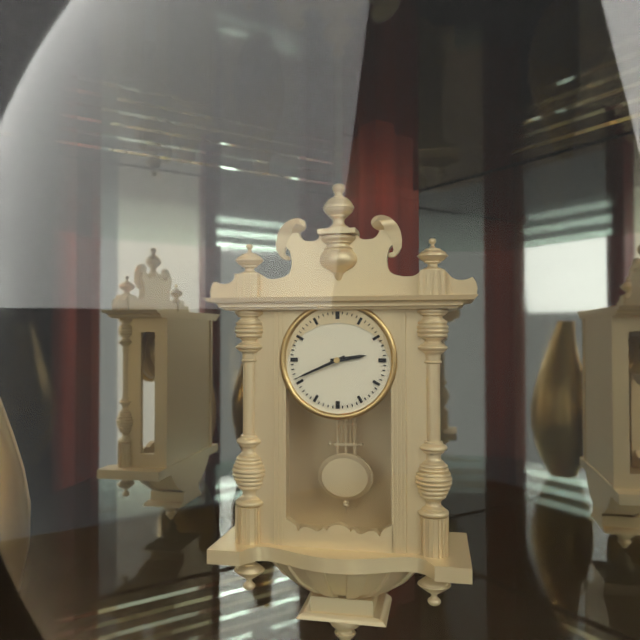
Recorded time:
h=2 m=41
